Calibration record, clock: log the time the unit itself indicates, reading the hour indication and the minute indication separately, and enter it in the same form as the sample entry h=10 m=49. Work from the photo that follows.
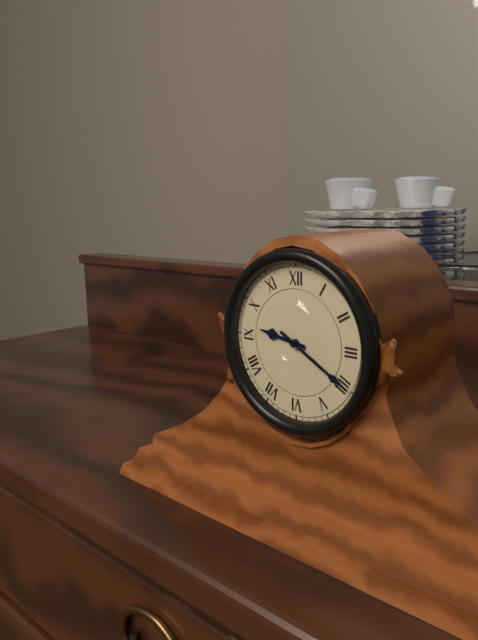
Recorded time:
h=9 m=20
